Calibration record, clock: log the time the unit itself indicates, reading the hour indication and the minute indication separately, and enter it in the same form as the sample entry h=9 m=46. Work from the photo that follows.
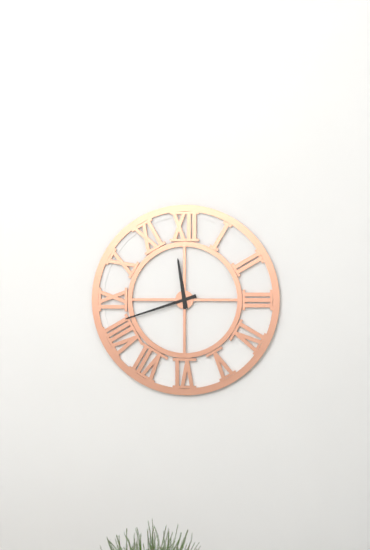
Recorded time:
h=11 m=42
